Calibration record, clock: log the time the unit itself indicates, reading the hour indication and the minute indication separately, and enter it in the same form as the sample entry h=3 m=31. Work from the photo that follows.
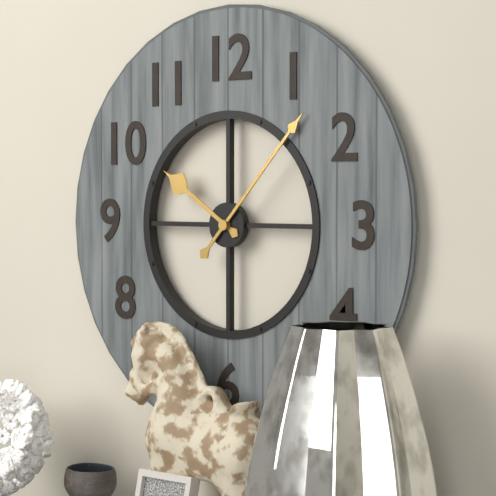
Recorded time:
h=10 m=7
